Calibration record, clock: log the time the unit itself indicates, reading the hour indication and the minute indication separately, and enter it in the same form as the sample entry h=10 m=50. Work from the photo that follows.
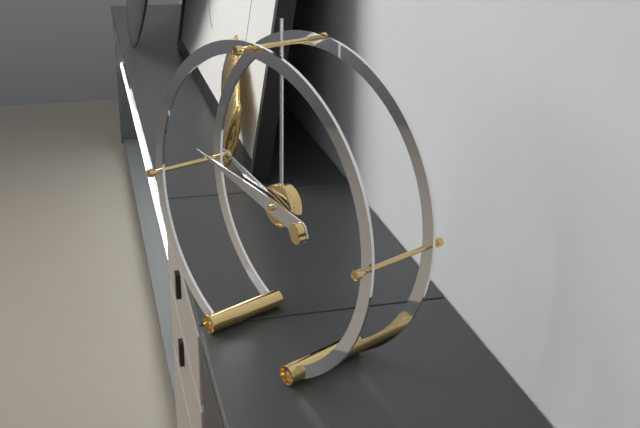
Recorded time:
h=9 m=47
